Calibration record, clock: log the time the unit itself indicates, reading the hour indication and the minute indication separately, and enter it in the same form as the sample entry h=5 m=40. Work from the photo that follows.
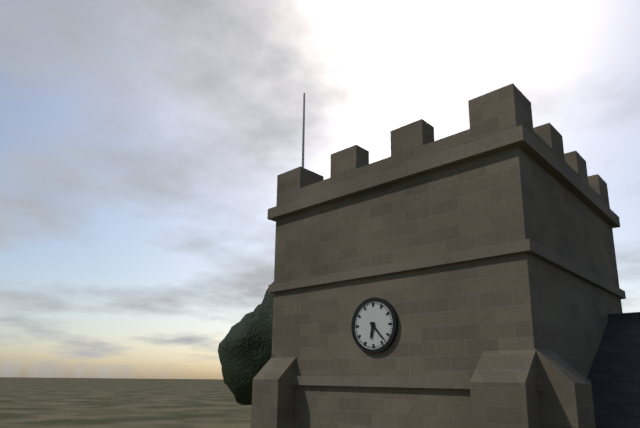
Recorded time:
h=6 m=23
